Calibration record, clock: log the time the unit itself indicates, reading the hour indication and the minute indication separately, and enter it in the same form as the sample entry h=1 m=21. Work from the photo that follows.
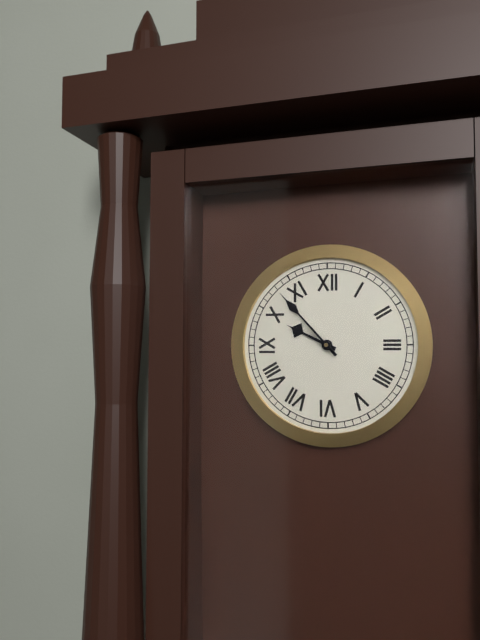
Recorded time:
h=9 m=53
